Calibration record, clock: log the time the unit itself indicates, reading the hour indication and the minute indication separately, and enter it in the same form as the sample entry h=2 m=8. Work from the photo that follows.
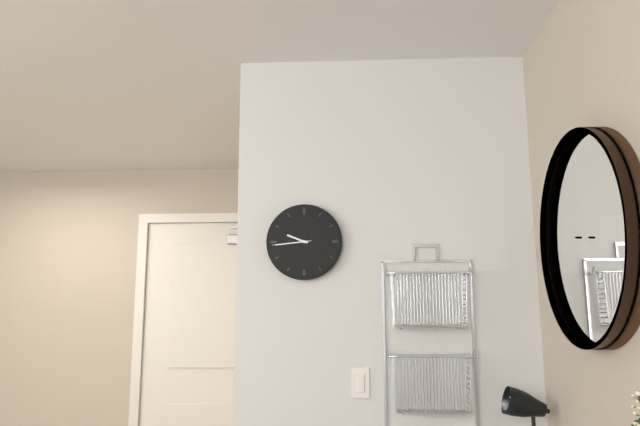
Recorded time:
h=9 m=44
